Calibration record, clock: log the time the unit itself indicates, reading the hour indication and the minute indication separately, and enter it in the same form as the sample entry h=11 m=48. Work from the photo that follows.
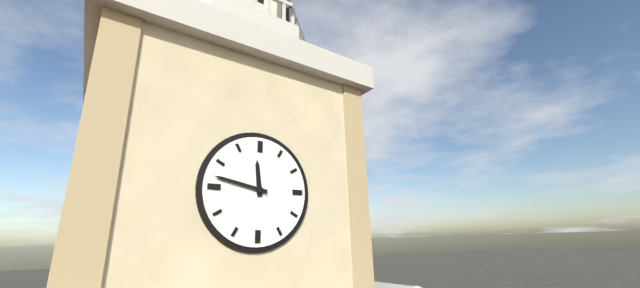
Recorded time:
h=11 m=47
